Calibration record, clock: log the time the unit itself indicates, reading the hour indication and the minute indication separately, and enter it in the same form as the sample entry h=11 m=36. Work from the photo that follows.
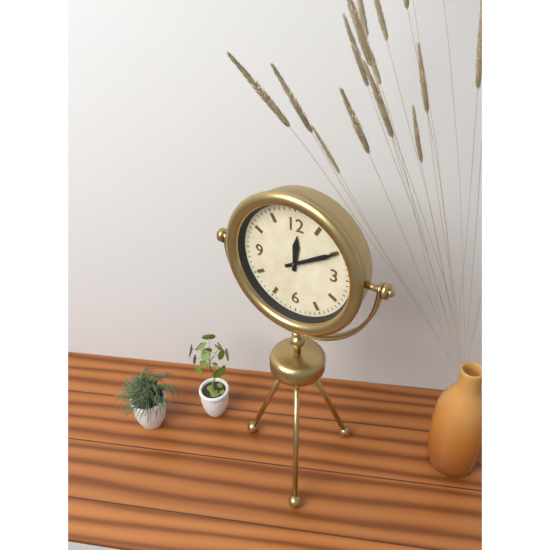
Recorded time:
h=12 m=10
